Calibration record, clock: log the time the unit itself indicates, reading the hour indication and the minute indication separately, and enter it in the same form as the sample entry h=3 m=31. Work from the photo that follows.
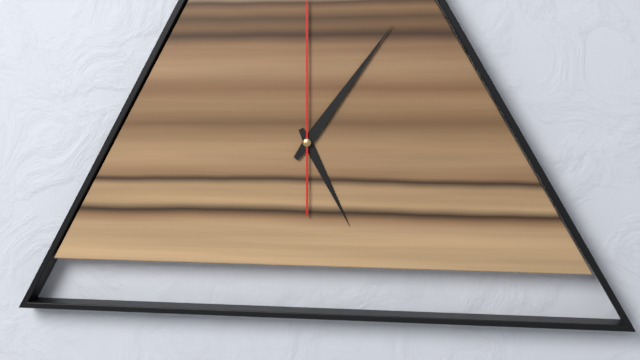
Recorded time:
h=5 m=6
